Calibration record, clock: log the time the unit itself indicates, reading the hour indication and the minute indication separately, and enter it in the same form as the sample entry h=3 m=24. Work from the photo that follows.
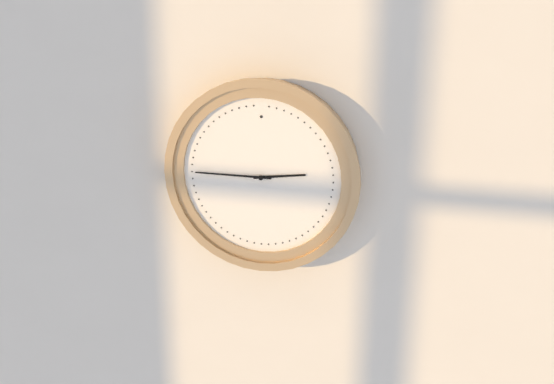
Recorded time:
h=2 m=45
